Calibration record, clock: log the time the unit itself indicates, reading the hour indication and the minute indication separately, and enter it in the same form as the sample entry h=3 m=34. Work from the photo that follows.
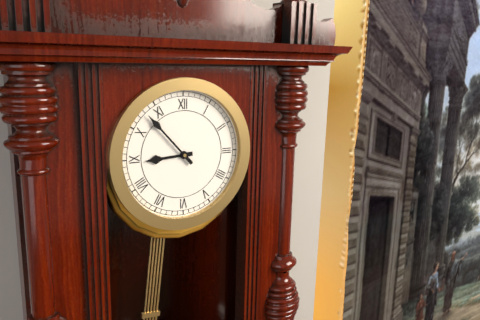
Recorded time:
h=8 m=53
